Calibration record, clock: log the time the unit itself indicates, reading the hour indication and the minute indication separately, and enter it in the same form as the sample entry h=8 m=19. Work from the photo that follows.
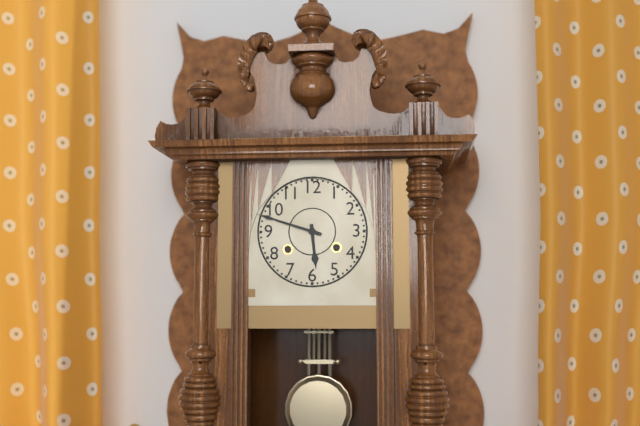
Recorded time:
h=5 m=48
